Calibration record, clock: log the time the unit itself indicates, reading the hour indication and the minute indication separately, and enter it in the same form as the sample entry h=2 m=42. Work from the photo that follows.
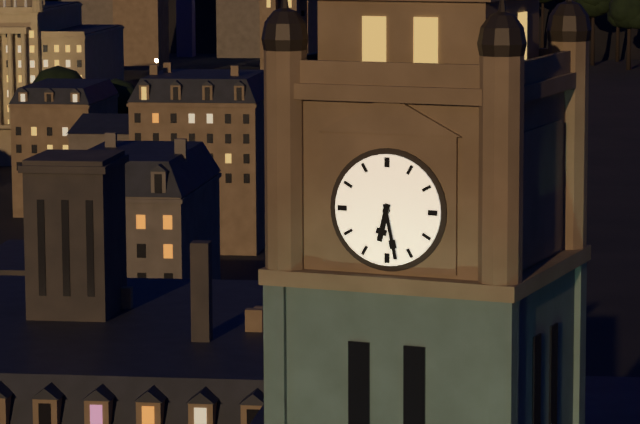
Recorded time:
h=6 m=28
